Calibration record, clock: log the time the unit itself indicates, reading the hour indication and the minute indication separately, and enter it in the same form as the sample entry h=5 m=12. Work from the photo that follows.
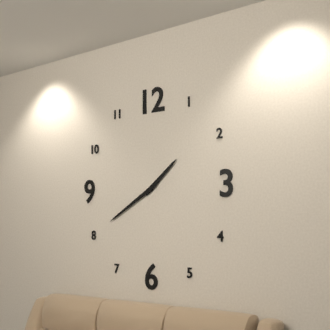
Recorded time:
h=1 m=40
